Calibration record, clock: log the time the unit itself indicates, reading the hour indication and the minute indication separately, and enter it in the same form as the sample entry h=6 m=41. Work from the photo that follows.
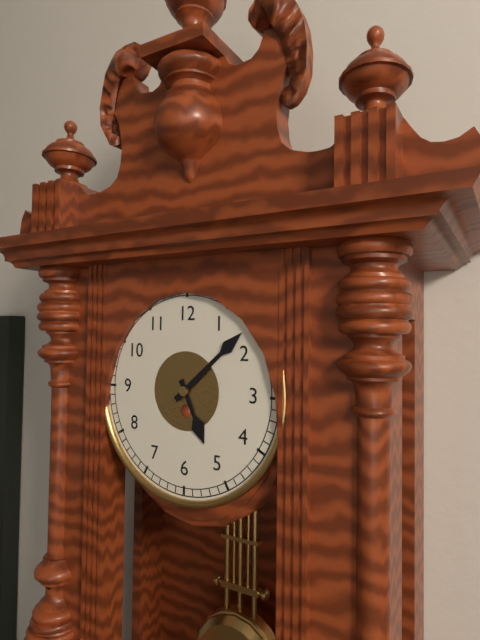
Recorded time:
h=5 m=8
